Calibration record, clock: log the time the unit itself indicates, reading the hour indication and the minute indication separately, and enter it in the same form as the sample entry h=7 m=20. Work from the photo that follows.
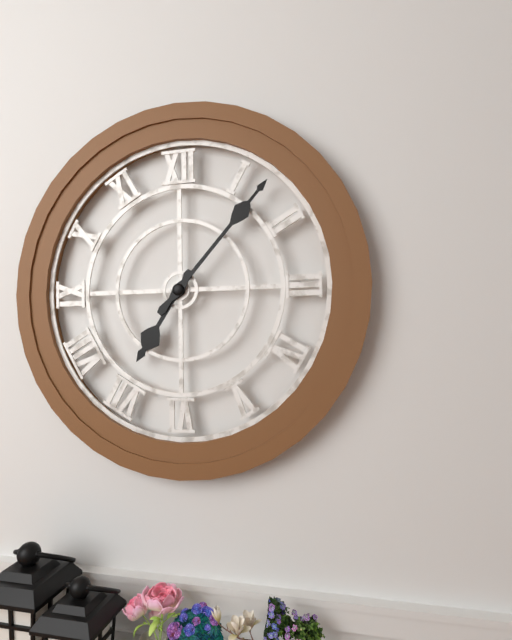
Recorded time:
h=7 m=7
